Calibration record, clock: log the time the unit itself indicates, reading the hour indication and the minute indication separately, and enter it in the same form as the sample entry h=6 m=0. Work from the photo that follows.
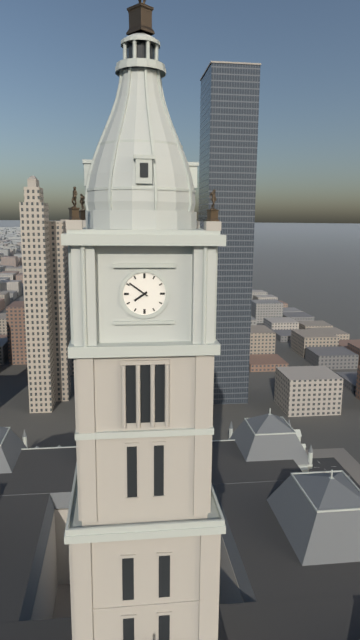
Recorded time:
h=7 m=51
